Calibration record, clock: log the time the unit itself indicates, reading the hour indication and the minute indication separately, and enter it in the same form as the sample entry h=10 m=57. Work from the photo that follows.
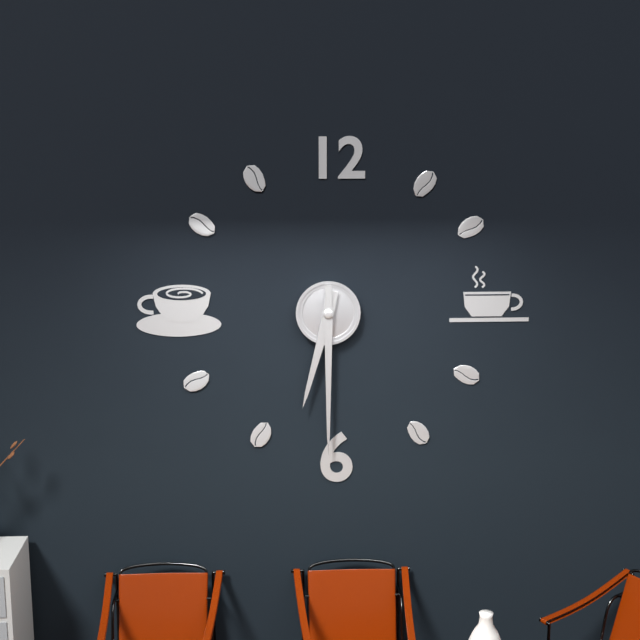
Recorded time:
h=6 m=30
